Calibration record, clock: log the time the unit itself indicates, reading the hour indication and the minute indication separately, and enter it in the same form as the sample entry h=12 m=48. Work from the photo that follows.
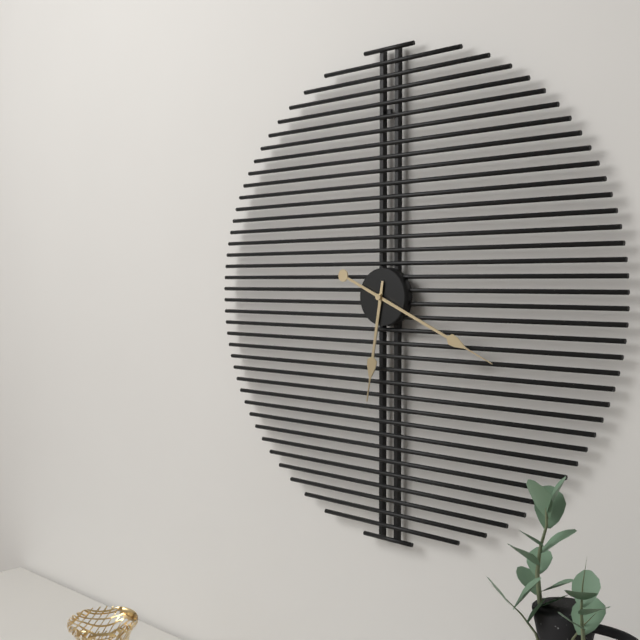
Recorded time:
h=6 m=19
